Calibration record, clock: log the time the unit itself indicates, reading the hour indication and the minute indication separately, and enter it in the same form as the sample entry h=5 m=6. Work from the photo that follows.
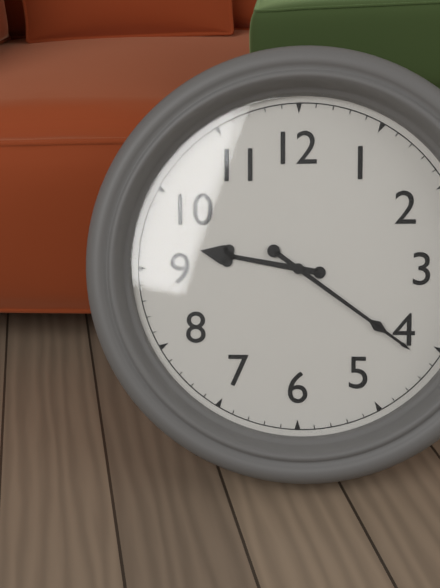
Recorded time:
h=9 m=21
